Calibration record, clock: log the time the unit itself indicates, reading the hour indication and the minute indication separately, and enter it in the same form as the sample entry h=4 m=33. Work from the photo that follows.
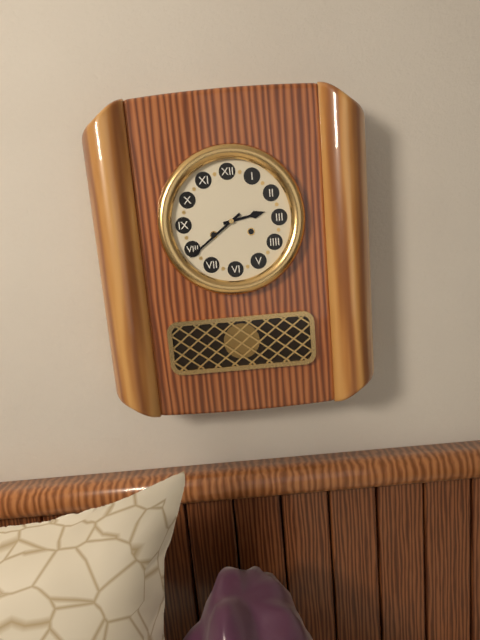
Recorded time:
h=2 m=39
